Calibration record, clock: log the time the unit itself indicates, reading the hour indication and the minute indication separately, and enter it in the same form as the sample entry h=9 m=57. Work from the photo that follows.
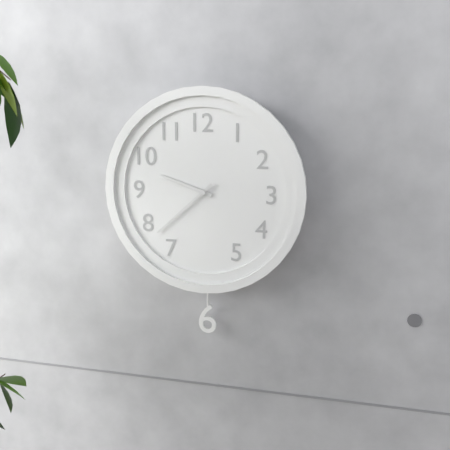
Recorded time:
h=9 m=38
